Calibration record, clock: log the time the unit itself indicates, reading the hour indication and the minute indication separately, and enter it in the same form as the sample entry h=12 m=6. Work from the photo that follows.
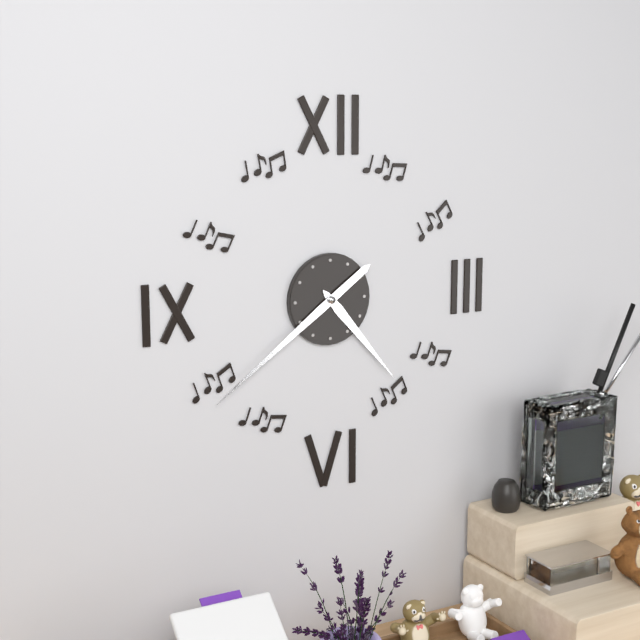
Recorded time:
h=4 m=39
